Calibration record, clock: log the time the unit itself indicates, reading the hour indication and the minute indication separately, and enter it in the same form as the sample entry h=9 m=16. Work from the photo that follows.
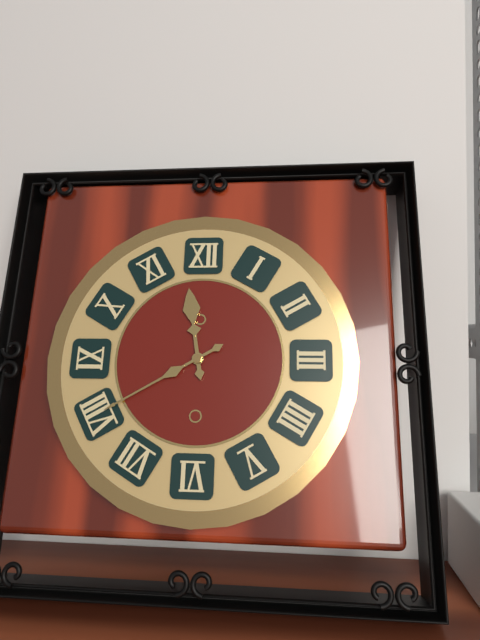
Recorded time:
h=11 m=40
